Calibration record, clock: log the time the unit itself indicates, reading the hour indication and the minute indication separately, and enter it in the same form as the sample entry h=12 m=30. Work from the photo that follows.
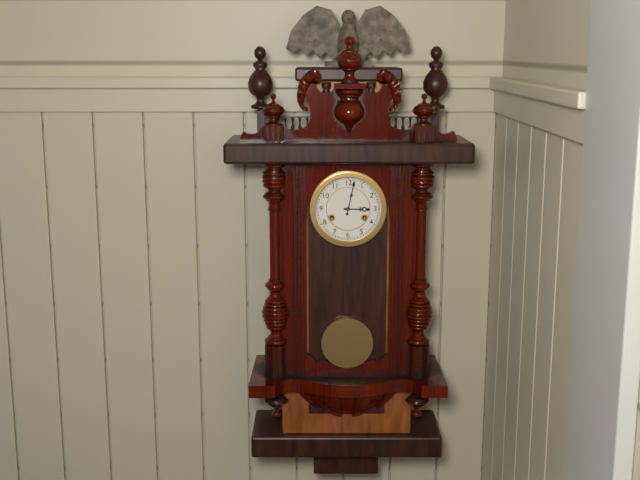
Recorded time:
h=3 m=2
